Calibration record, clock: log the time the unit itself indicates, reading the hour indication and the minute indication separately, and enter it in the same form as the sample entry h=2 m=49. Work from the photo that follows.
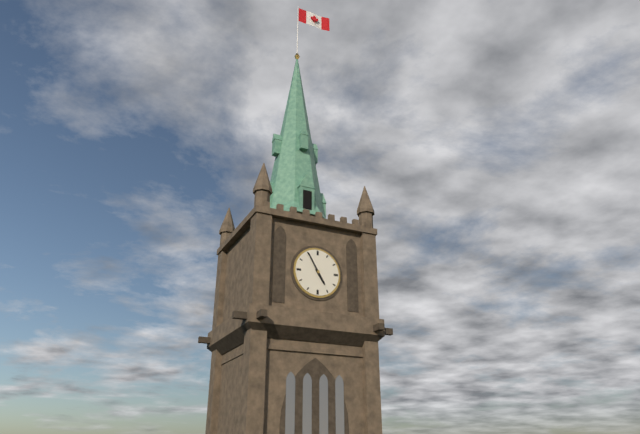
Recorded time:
h=4 m=55
